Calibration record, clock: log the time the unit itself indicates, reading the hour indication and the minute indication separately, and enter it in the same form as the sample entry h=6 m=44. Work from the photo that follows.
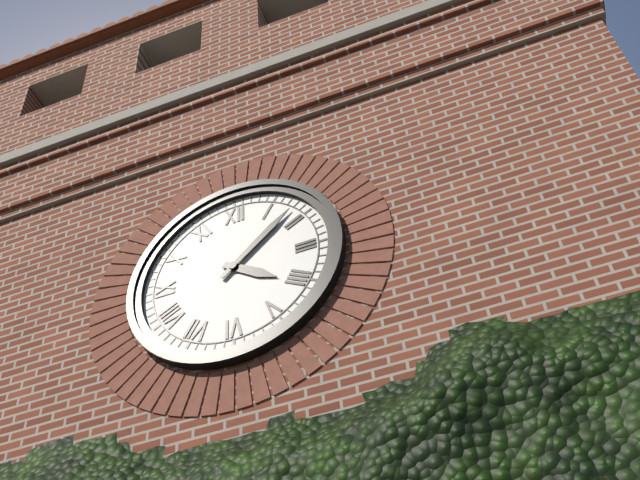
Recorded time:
h=4 m=8
